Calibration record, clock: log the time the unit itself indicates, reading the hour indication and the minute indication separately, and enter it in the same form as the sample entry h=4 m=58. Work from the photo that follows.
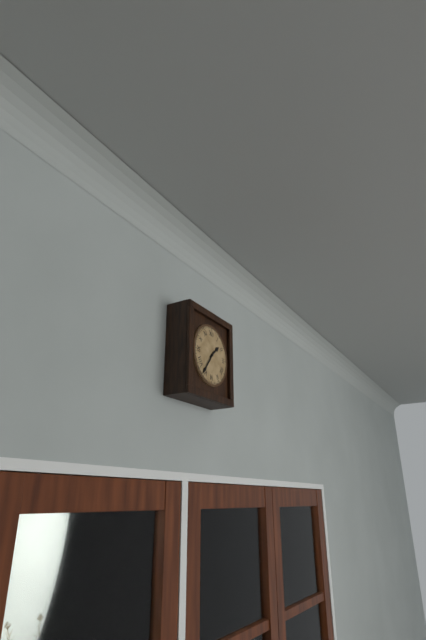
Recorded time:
h=1 m=36
